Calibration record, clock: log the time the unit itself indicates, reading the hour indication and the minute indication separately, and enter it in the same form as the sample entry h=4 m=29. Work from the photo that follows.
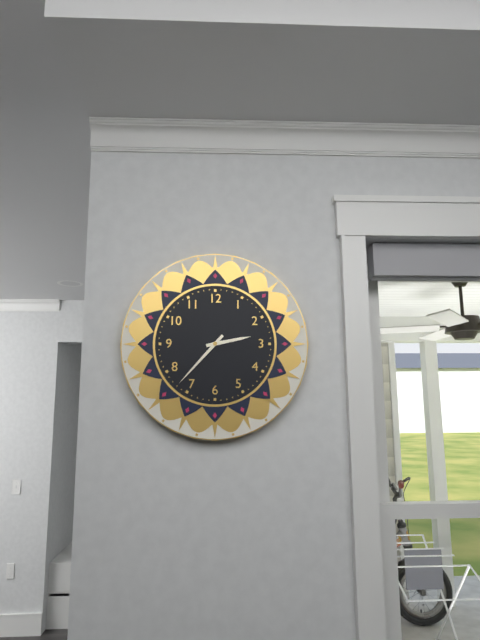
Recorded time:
h=2 m=37
